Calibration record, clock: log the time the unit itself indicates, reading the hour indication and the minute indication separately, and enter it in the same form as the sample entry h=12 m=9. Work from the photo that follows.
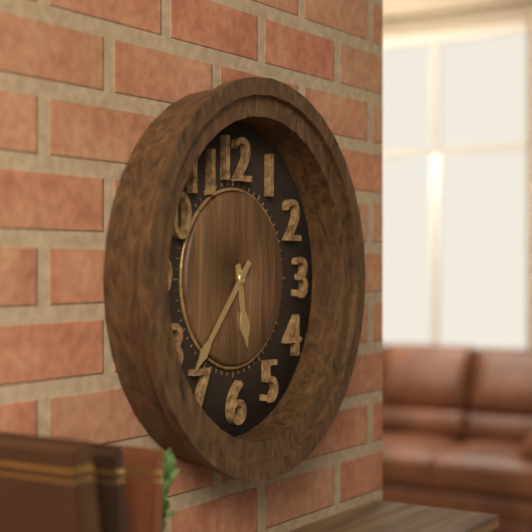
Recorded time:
h=5 m=37
